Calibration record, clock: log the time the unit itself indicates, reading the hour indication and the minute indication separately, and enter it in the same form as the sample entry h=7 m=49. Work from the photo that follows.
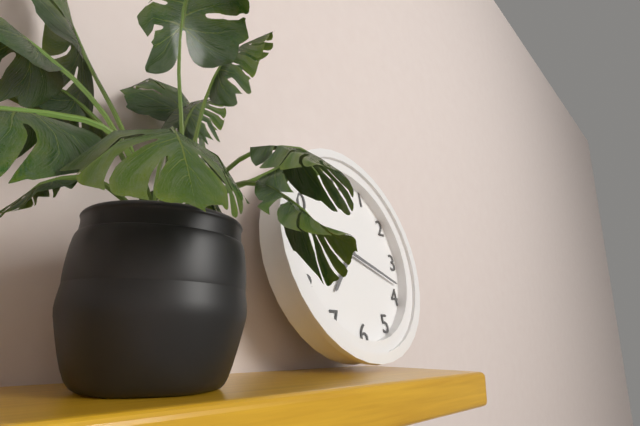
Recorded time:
h=7 m=18
